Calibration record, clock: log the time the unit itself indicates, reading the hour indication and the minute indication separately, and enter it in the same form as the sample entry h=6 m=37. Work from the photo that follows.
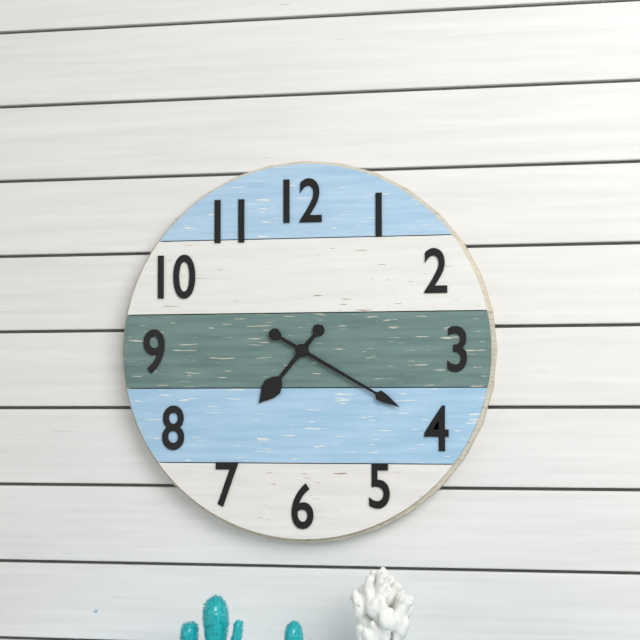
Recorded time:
h=7 m=20
